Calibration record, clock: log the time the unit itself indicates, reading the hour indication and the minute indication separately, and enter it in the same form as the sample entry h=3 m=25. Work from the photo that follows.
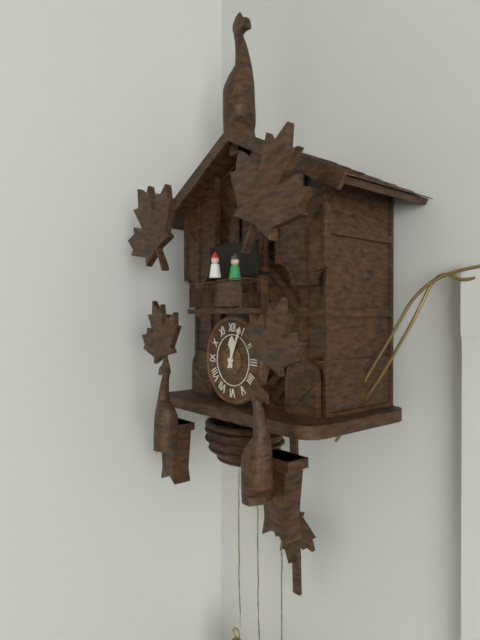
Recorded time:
h=12 m=4
